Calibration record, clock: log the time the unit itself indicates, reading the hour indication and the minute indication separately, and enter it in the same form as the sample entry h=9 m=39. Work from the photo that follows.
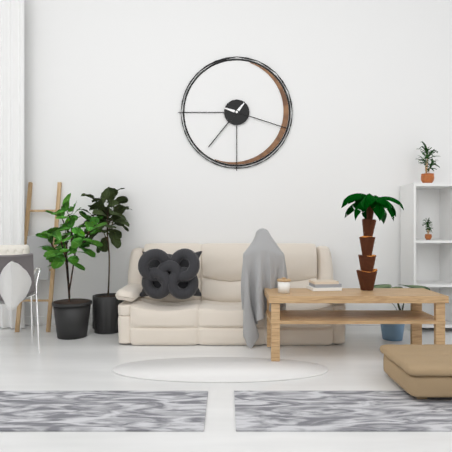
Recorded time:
h=7 m=18
